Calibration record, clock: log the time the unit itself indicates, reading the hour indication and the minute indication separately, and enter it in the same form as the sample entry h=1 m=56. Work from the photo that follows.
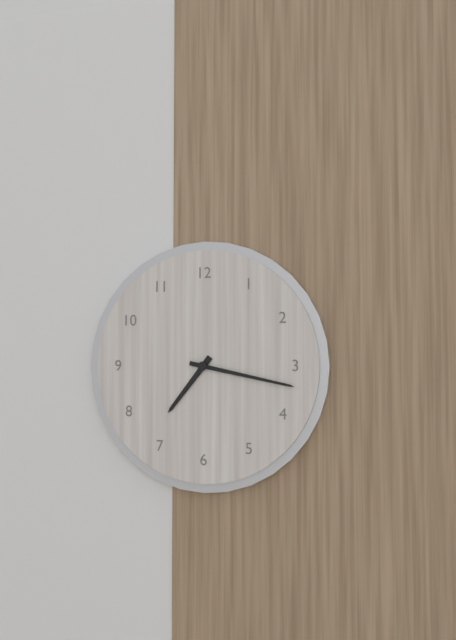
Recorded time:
h=7 m=17
